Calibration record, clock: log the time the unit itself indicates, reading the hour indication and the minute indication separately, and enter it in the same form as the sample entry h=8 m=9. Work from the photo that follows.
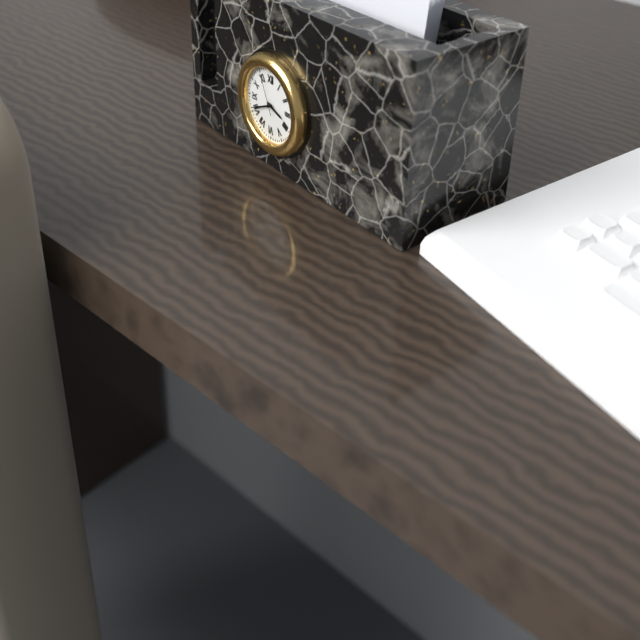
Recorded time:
h=3 m=41
